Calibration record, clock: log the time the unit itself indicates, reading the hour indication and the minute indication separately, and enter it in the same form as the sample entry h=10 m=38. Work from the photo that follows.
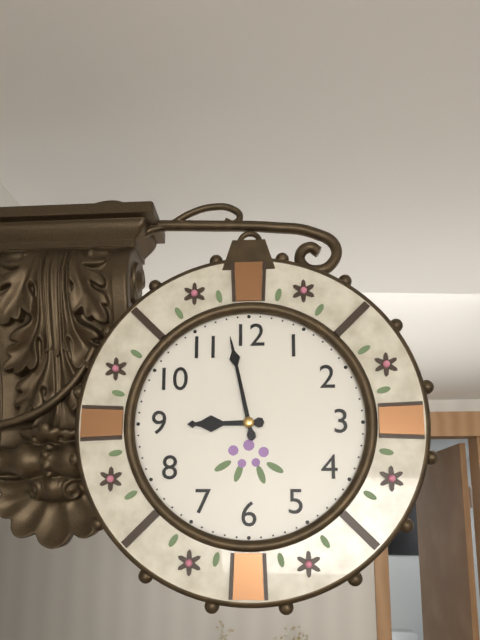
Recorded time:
h=8 m=58
